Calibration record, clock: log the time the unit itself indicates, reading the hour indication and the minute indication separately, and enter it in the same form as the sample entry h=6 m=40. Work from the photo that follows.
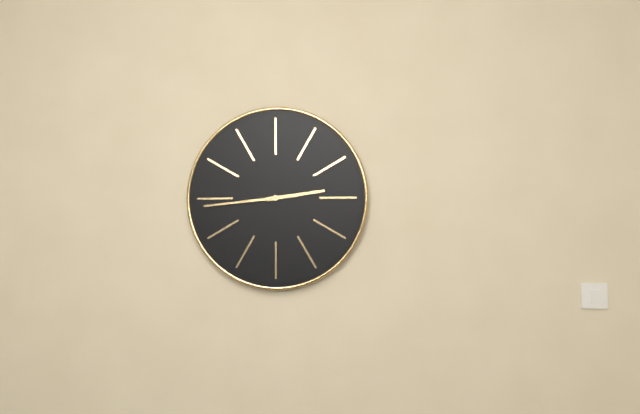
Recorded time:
h=2 m=44
